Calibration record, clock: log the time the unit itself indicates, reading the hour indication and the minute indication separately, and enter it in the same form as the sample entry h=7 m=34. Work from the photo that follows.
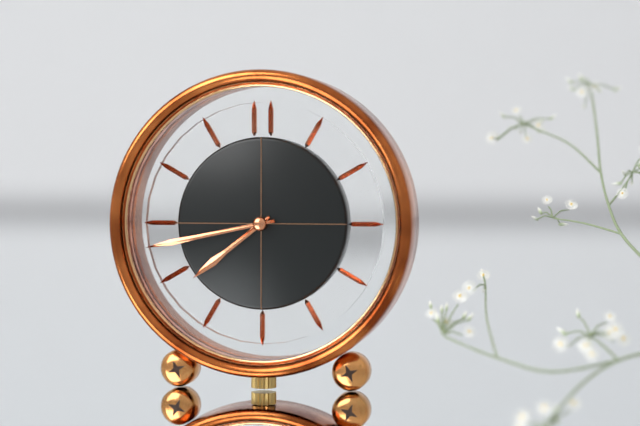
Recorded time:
h=7 m=43
